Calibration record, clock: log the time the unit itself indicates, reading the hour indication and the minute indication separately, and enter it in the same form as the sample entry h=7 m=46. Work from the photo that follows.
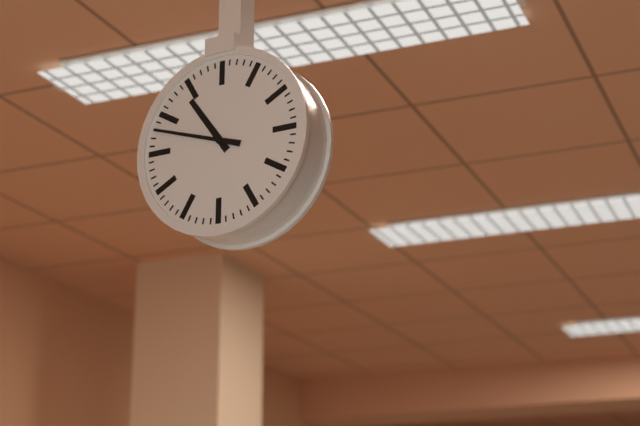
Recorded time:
h=10 m=48
